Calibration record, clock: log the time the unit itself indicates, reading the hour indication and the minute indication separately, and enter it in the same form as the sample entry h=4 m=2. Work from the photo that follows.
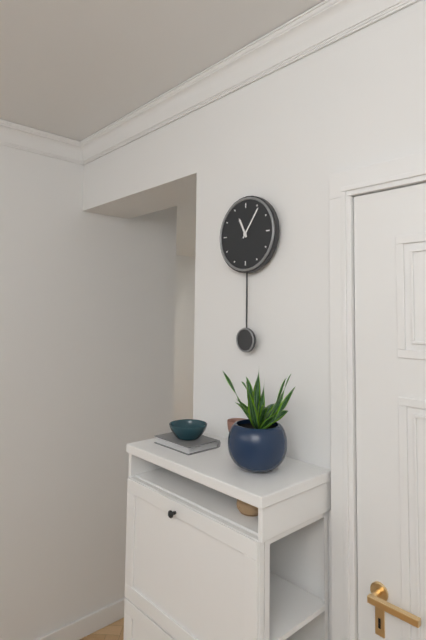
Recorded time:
h=11 m=6
